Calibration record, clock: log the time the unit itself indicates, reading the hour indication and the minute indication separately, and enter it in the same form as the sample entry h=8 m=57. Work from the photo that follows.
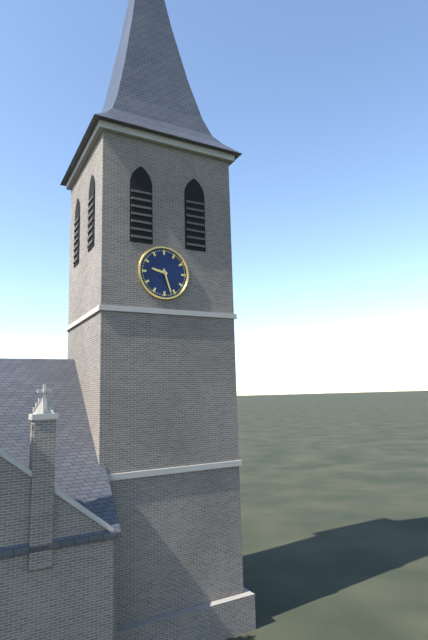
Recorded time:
h=9 m=27
